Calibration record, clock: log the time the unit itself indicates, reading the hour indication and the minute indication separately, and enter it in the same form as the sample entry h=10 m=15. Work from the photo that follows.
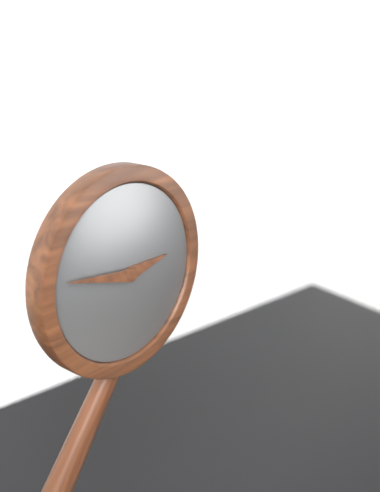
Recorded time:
h=2 m=47
